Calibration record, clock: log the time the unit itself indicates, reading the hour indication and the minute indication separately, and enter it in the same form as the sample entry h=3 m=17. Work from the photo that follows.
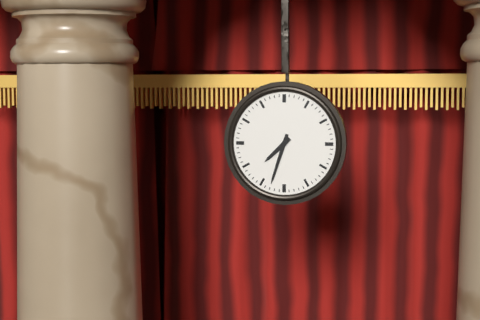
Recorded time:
h=7 m=33
